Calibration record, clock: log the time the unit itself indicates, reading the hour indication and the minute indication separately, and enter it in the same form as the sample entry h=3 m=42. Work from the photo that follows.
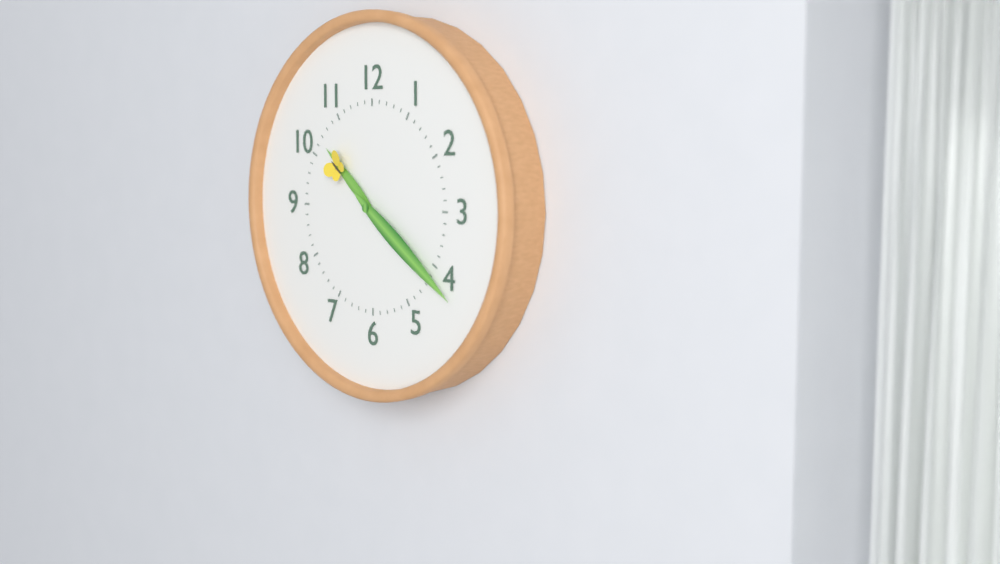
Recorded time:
h=10 m=21
